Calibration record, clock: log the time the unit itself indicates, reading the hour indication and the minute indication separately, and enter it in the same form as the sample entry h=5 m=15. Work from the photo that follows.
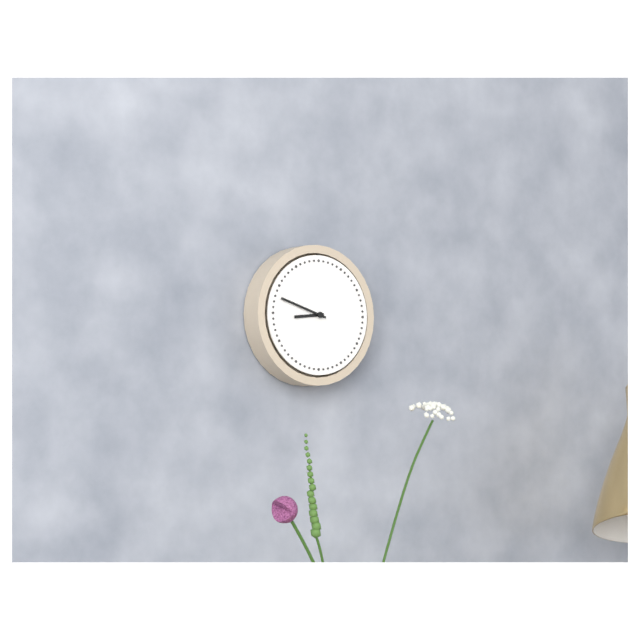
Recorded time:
h=8 m=48
